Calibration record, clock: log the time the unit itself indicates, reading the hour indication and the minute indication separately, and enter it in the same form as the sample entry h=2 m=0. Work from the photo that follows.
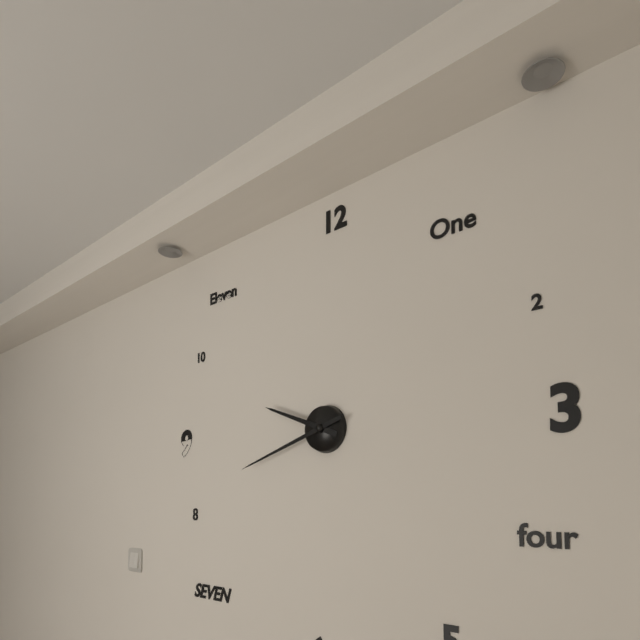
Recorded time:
h=9 m=42
